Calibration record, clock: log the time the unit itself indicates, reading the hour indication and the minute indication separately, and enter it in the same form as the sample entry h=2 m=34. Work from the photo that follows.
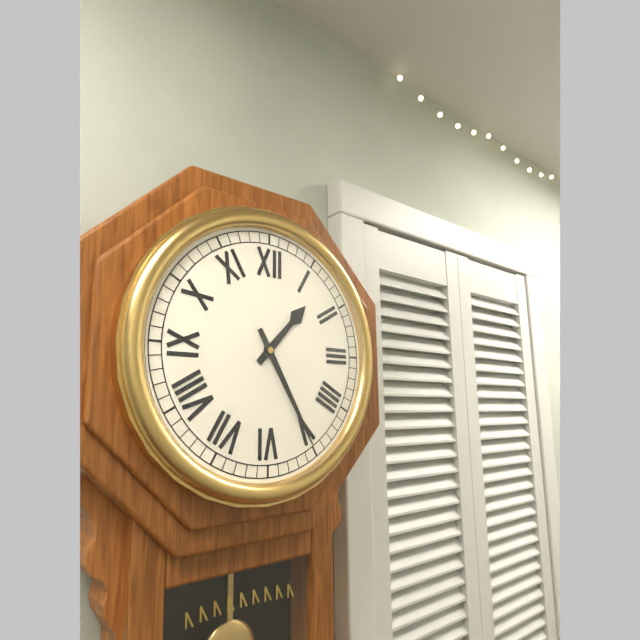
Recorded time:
h=1 m=25
